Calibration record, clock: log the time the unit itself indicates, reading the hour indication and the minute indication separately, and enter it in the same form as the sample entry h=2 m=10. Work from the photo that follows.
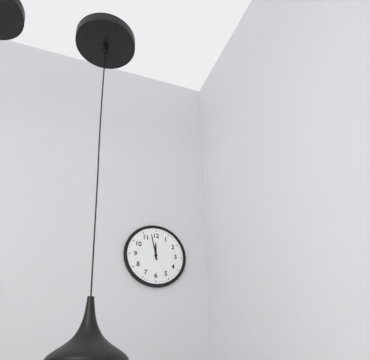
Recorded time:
h=11 m=58
